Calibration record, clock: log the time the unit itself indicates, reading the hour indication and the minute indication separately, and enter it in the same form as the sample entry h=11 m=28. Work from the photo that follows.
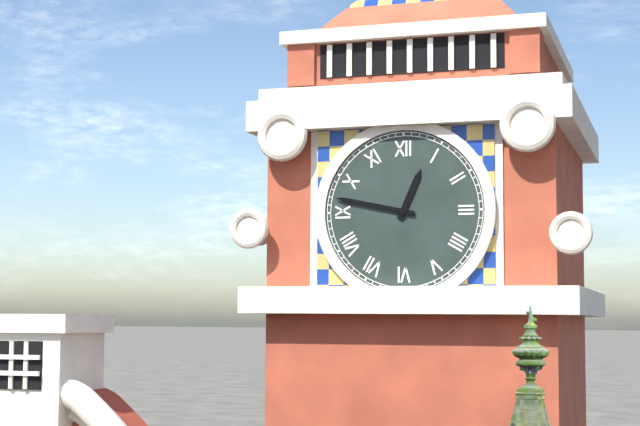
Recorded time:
h=12 m=47
